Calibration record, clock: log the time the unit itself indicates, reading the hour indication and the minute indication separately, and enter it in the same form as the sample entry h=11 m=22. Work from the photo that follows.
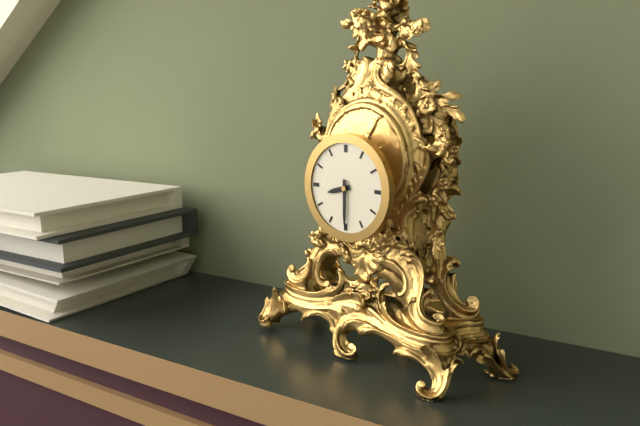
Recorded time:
h=8 m=30
